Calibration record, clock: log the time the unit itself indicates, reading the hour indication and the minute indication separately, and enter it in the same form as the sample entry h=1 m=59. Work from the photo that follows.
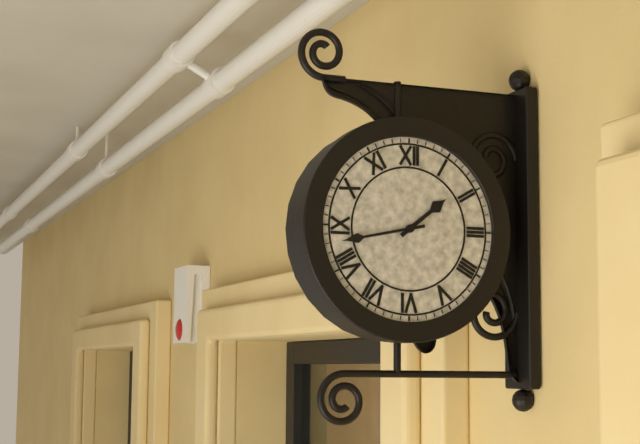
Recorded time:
h=1 m=43
